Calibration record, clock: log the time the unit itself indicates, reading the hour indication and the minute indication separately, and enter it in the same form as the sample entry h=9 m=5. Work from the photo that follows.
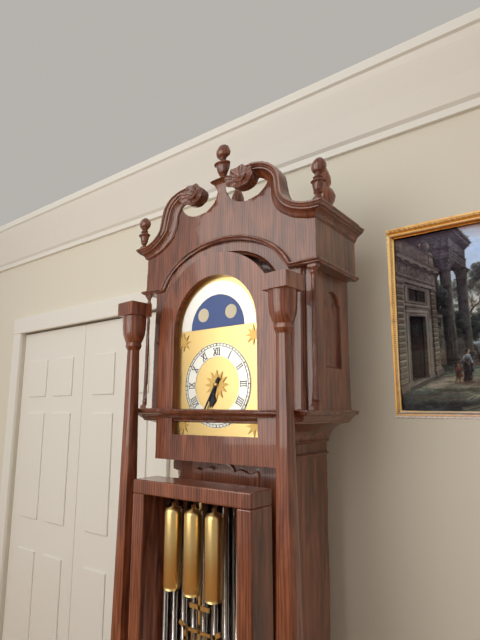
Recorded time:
h=6 m=35
